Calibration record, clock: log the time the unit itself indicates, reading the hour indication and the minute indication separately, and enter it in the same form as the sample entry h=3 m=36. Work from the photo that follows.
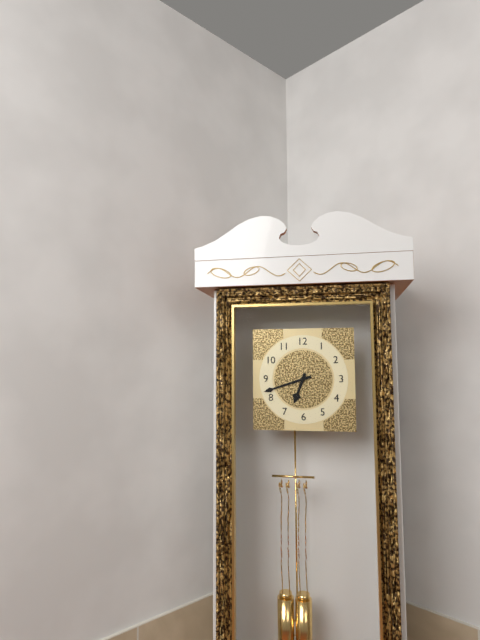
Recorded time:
h=6 m=42
